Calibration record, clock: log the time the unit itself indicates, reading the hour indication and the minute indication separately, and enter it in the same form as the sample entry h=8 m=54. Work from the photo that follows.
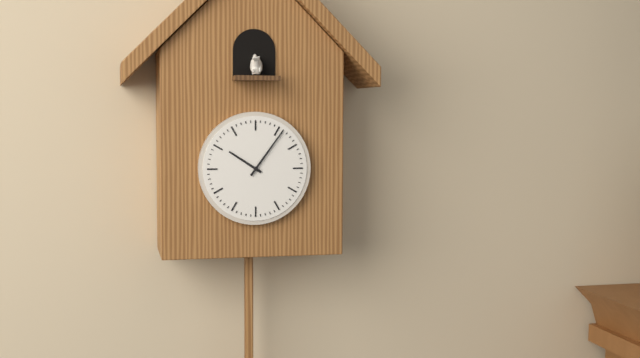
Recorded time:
h=10 m=6
